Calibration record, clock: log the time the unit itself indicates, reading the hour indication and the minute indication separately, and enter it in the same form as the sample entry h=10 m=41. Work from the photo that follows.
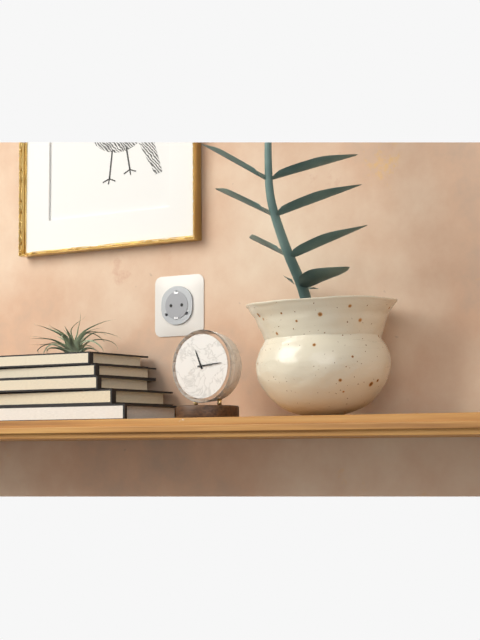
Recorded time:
h=11 m=14
